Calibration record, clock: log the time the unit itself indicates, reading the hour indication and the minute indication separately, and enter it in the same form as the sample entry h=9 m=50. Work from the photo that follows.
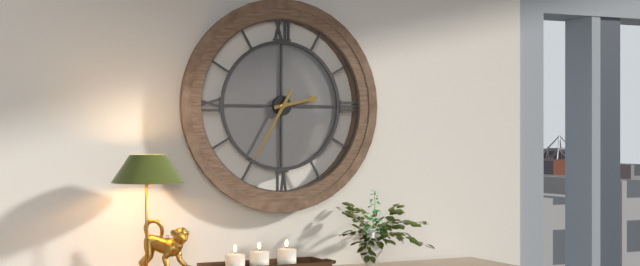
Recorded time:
h=2 m=35
